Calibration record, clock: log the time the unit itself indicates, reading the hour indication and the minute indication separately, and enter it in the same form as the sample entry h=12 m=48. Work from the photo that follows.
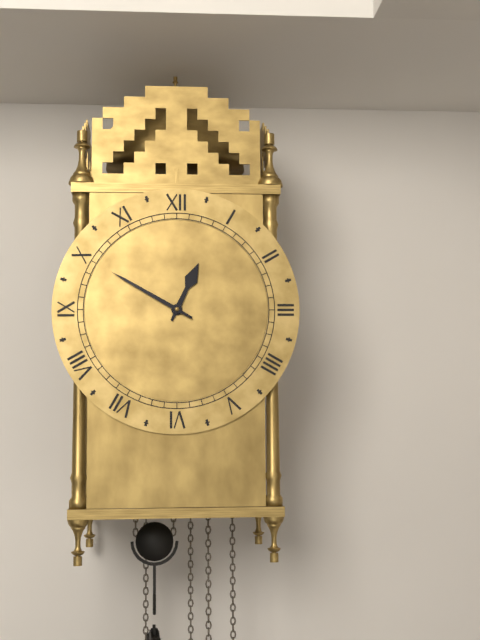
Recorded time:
h=12 m=50
